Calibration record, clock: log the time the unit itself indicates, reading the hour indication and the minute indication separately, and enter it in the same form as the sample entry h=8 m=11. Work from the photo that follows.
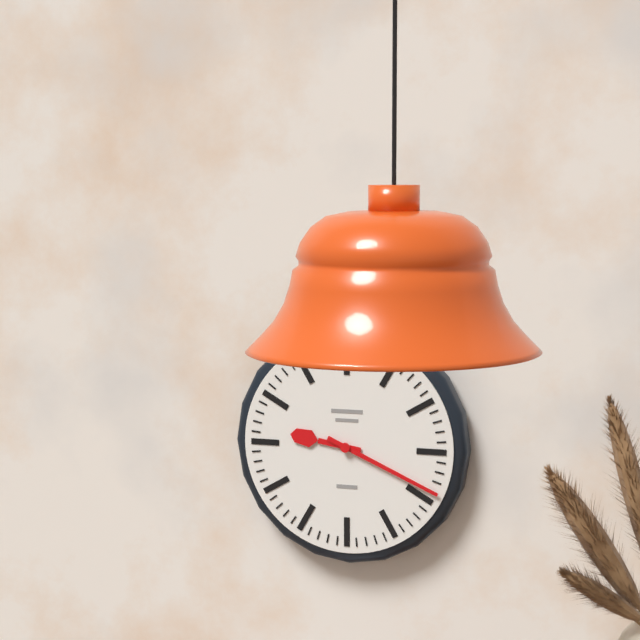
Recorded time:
h=9 m=19
